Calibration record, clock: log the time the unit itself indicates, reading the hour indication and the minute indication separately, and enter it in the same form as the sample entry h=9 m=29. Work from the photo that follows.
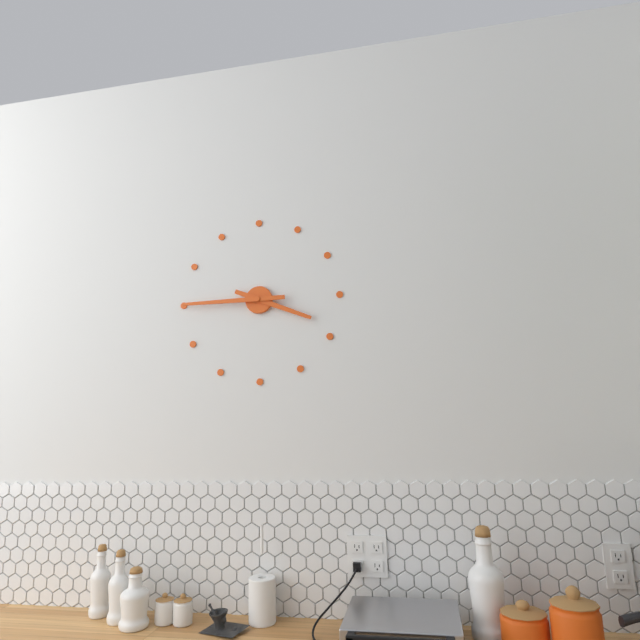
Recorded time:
h=3 m=45
